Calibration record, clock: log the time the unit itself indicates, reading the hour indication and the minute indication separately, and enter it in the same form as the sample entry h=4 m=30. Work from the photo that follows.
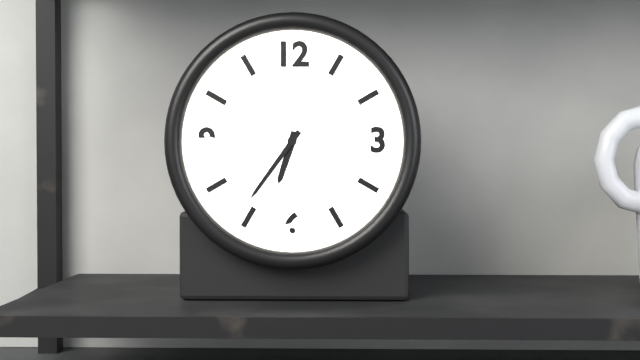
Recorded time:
h=6 m=36
